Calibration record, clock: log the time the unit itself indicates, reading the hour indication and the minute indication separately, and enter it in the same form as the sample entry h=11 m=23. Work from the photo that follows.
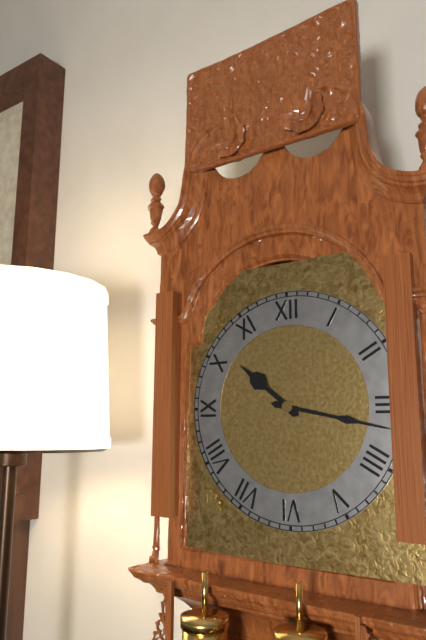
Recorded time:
h=10 m=17
